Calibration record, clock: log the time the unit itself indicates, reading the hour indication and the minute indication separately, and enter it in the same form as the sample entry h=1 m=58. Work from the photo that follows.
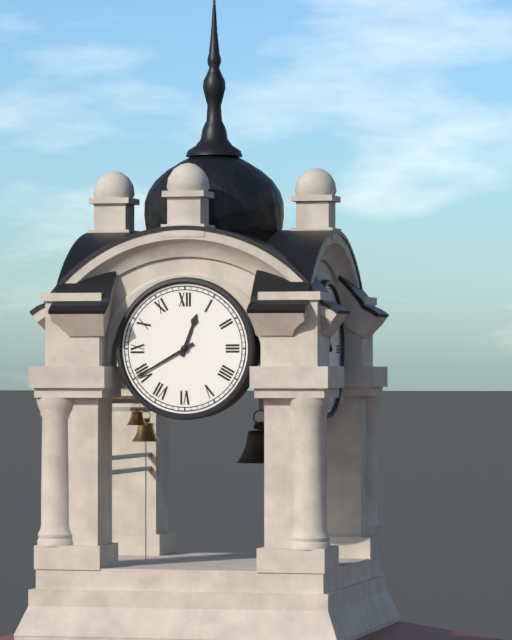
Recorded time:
h=12 m=40
